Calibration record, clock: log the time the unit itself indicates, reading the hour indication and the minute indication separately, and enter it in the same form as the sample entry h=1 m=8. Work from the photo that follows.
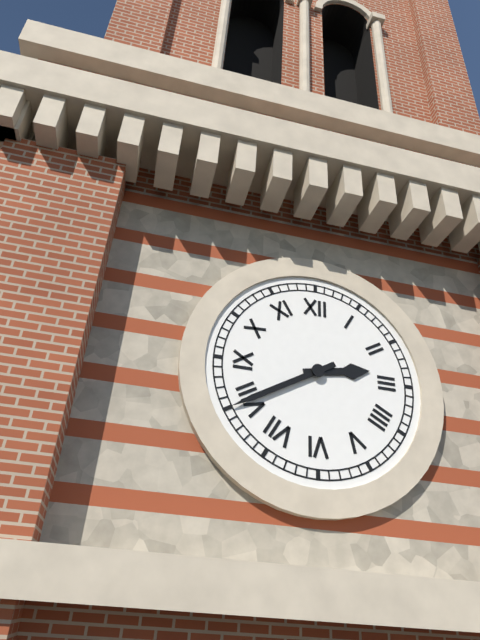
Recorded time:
h=2 m=40
